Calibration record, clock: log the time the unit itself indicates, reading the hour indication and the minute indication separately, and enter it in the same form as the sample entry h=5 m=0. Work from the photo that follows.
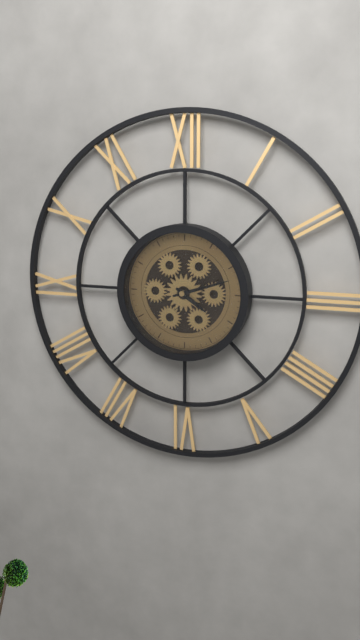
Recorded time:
h=4 m=12
